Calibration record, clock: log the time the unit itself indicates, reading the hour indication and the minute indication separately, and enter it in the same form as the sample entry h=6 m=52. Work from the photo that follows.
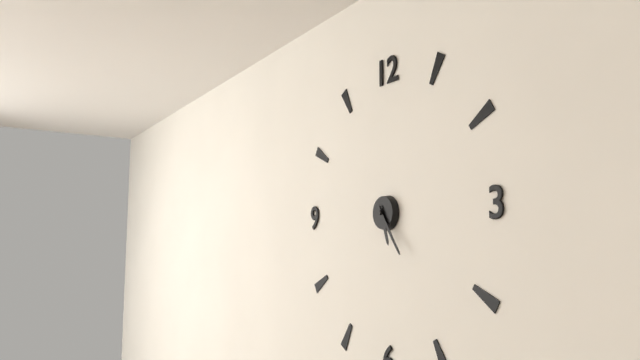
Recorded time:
h=5 m=24
